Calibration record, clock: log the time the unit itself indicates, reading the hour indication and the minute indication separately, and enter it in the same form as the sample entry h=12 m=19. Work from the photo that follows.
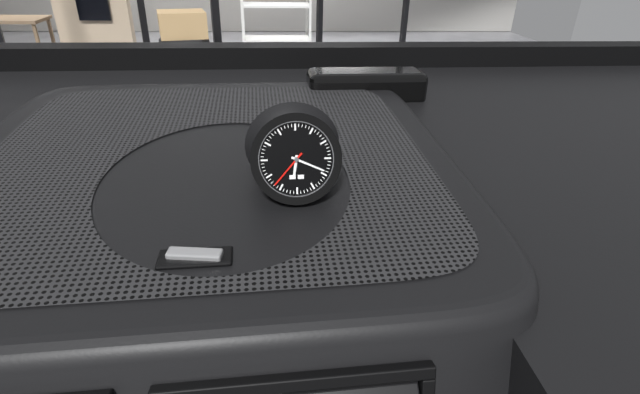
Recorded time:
h=6 m=19
